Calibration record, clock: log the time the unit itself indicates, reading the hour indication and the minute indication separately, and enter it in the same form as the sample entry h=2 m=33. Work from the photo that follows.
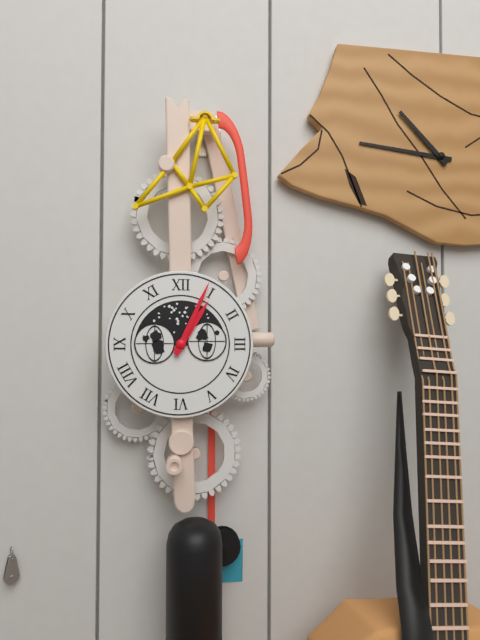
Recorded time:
h=1 m=4
